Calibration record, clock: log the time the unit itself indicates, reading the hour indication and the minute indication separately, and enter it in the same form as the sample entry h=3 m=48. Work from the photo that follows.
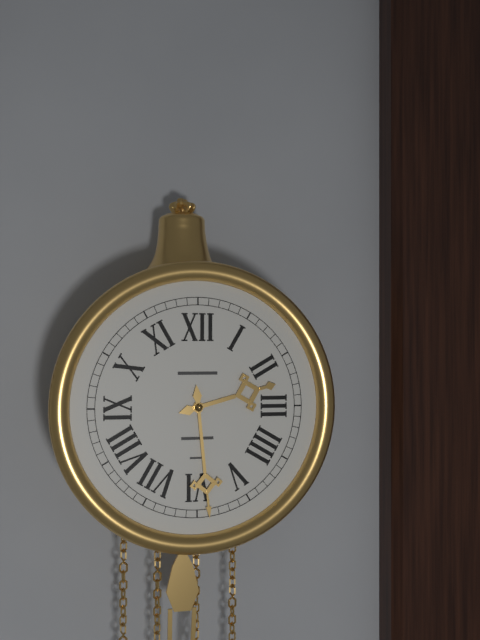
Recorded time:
h=2 m=29
